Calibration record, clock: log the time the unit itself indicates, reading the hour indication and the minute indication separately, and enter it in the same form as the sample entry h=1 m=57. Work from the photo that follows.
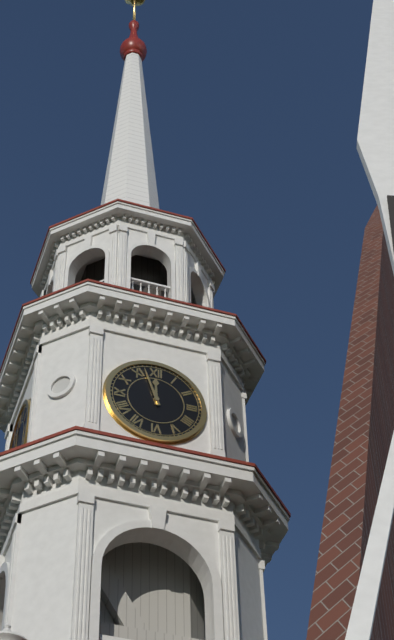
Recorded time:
h=11 m=57
